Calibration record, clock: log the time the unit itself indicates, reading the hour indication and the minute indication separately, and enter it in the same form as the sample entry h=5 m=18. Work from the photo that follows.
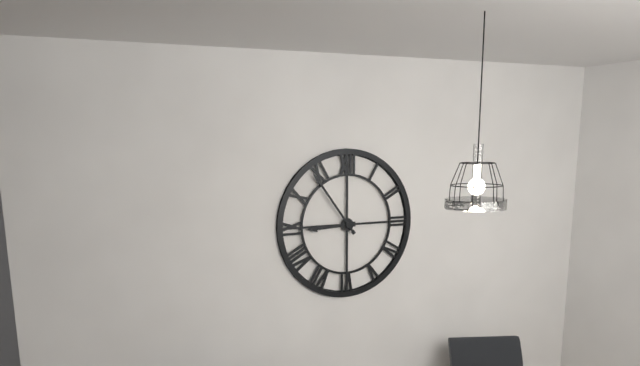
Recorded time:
h=8 m=54
